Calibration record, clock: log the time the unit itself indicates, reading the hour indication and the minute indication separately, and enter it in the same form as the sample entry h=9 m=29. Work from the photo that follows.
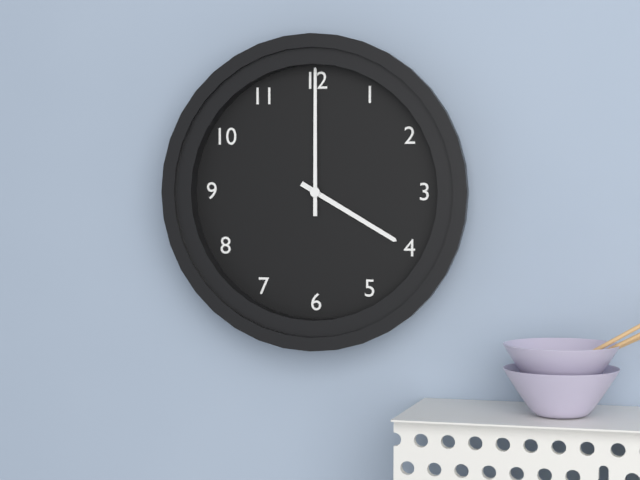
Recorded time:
h=4 m=0
